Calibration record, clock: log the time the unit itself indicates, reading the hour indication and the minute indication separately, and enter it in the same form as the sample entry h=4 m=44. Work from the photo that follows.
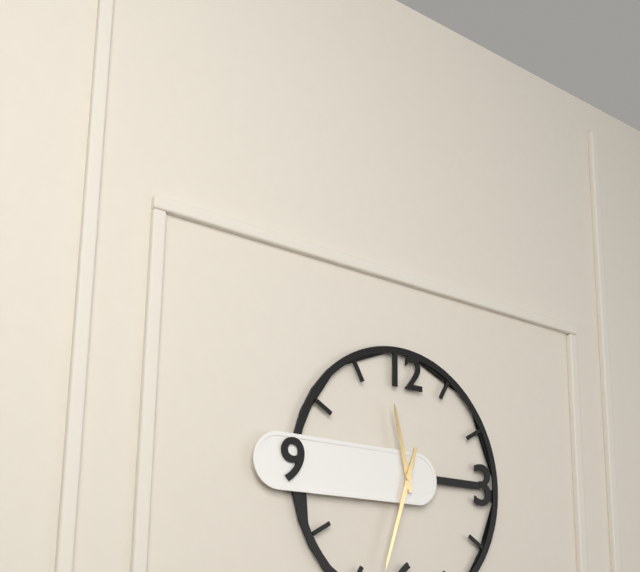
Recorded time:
h=11 m=33
